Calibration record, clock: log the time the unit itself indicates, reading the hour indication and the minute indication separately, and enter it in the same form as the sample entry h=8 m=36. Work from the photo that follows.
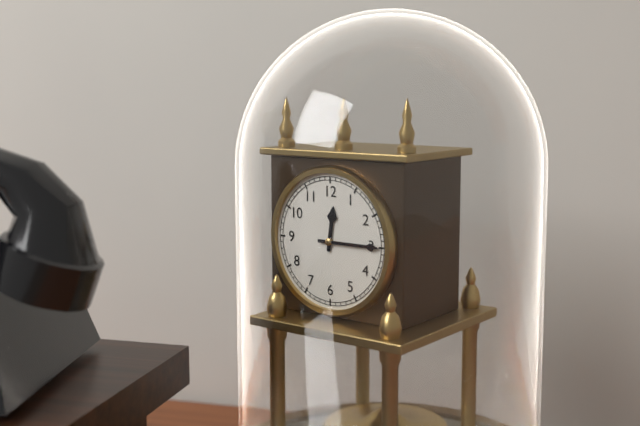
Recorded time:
h=12 m=15
